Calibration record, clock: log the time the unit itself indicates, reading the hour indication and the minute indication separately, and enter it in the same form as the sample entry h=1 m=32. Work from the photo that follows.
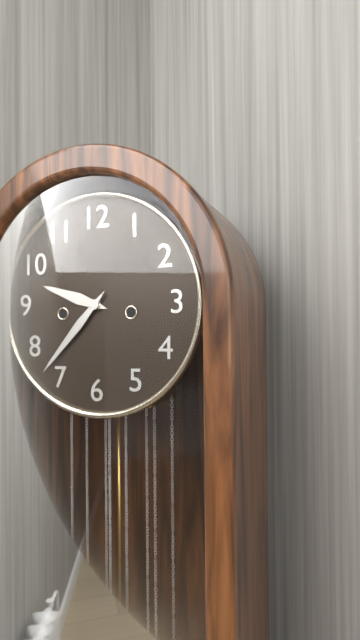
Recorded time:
h=9 m=37
